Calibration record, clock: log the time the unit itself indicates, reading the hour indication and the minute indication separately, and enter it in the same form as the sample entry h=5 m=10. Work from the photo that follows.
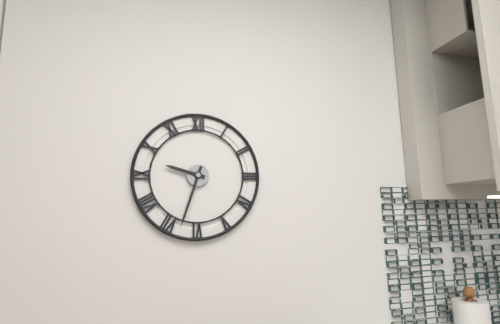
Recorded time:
h=9 m=33
